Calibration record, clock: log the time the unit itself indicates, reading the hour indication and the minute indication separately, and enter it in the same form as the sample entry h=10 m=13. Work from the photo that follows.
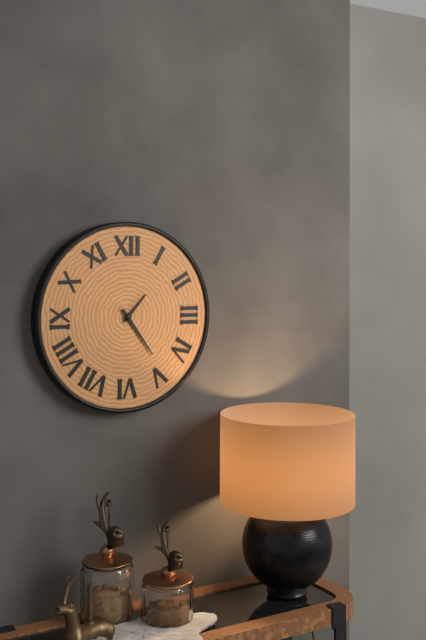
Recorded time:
h=1 m=24
